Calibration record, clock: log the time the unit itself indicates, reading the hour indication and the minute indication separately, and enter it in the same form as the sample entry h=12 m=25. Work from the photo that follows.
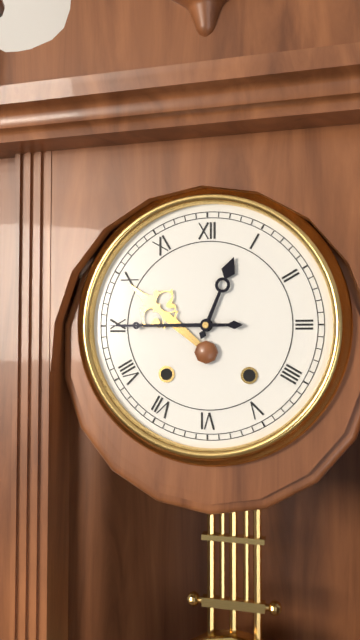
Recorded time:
h=12 m=45
